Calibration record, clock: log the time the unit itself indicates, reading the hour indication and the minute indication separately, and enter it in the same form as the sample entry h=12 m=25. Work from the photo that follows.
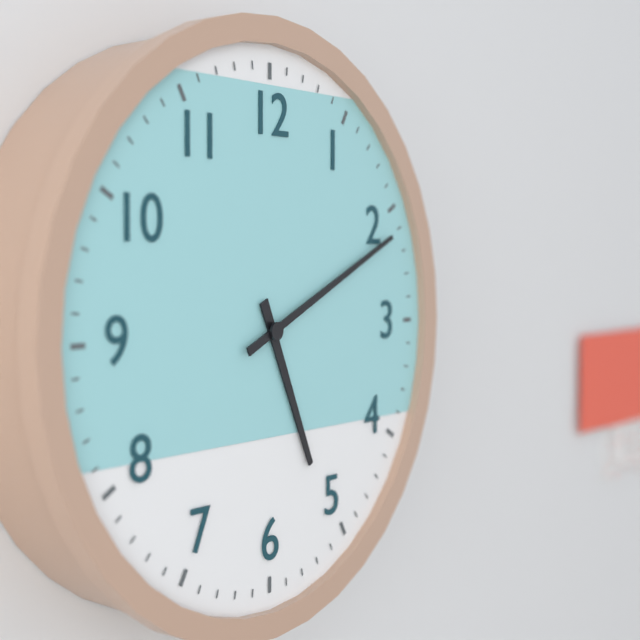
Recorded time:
h=5 m=11
